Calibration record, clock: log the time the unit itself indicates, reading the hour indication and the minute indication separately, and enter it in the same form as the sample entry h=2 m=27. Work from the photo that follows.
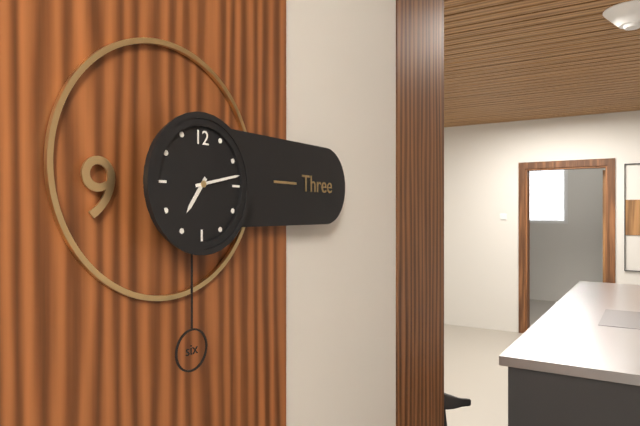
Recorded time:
h=7 m=13
